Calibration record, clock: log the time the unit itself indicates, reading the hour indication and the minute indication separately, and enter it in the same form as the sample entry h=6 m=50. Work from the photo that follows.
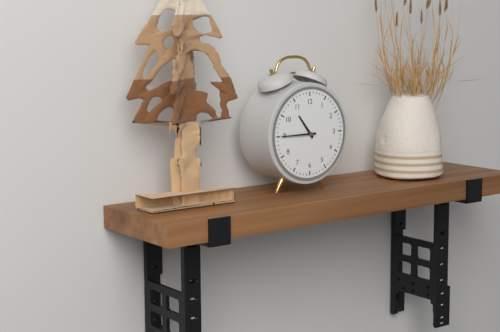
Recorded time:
h=10 m=45
